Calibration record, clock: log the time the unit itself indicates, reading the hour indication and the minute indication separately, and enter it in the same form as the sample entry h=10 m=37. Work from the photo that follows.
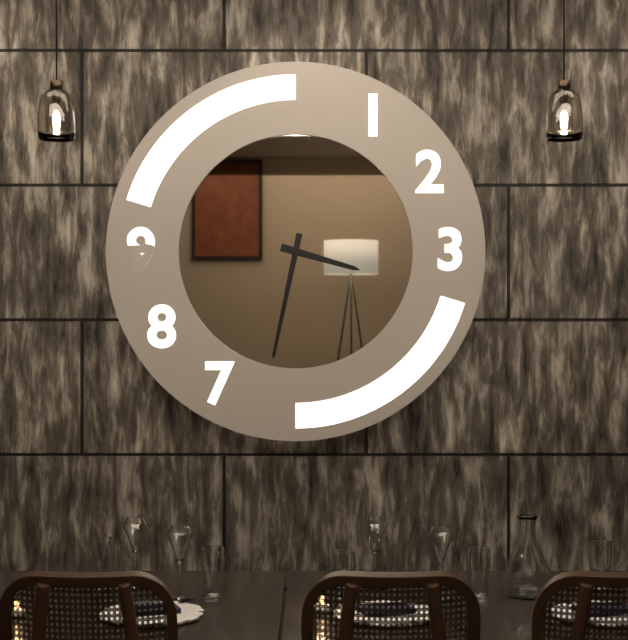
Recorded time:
h=3 m=32
